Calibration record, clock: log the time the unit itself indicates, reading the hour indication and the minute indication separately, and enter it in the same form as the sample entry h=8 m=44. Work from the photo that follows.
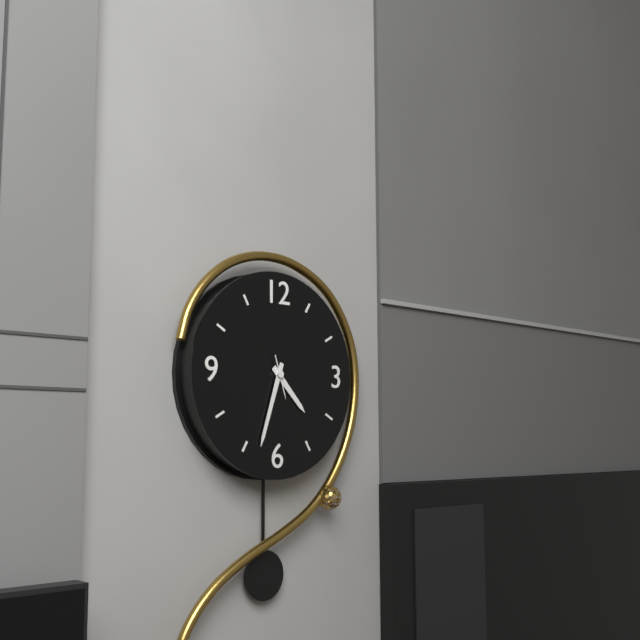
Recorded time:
h=4 m=33
